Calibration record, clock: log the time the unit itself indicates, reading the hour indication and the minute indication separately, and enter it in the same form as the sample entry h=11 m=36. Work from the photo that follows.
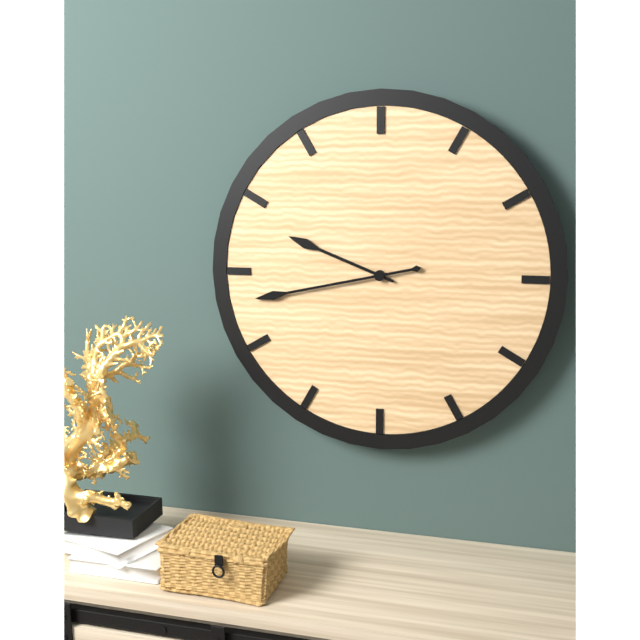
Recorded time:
h=9 m=43
